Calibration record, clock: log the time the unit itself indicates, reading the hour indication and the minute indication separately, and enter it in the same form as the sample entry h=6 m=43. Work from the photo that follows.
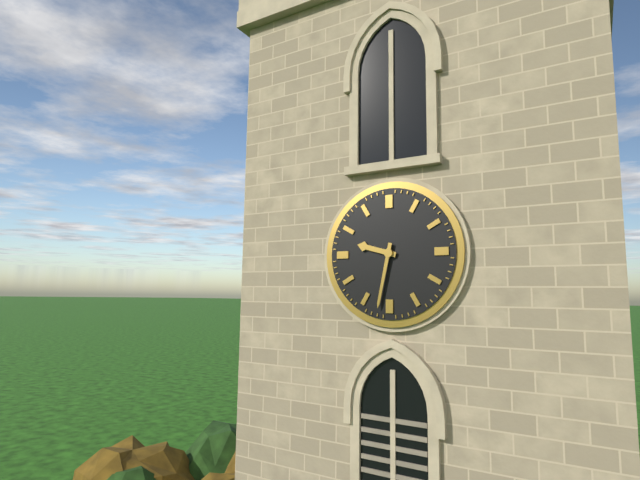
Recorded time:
h=9 m=32
